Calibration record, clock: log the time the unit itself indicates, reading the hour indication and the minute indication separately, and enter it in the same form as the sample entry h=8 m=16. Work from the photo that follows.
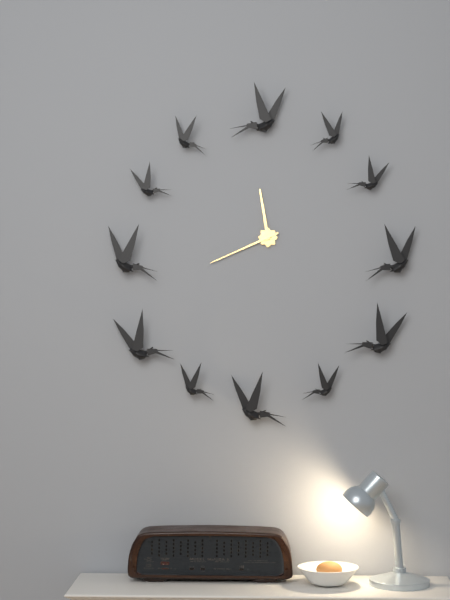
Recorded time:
h=11 m=41
